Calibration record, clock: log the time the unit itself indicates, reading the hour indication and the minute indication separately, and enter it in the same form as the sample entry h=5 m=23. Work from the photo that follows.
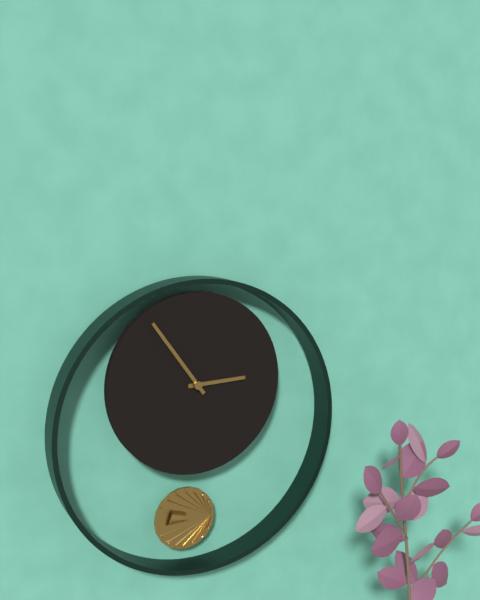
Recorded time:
h=2 m=54
